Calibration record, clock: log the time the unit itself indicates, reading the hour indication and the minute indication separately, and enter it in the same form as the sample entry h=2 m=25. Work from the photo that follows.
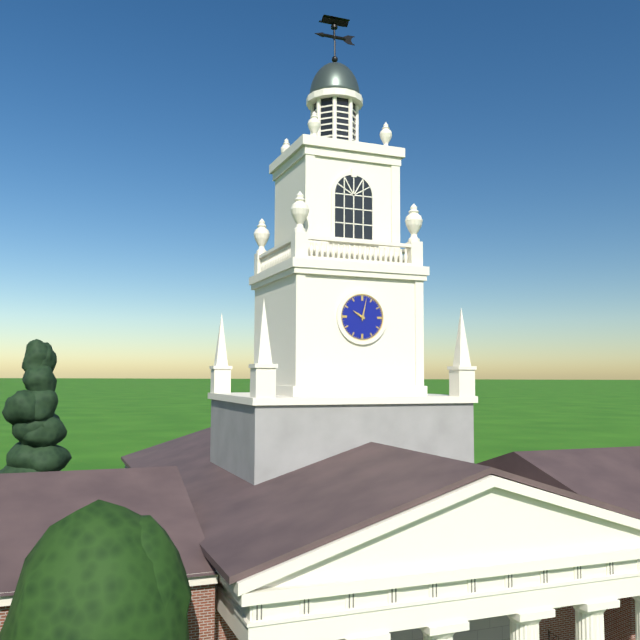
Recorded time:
h=10 m=2
